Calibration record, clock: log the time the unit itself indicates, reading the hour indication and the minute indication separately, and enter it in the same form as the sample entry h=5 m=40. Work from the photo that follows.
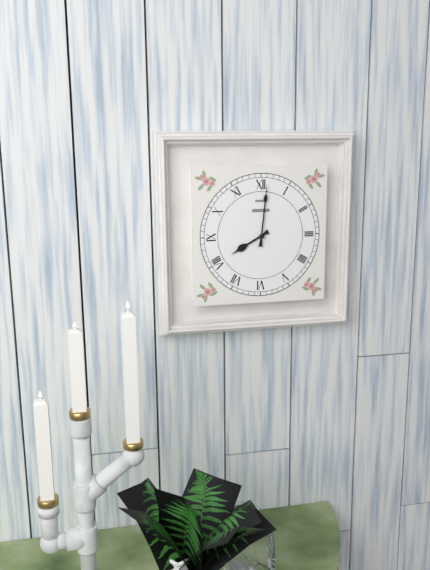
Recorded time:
h=8 m=1
